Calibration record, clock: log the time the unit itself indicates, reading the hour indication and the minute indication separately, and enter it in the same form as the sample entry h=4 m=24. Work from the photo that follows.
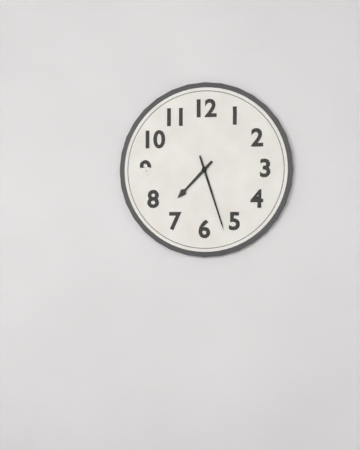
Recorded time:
h=7 m=27
